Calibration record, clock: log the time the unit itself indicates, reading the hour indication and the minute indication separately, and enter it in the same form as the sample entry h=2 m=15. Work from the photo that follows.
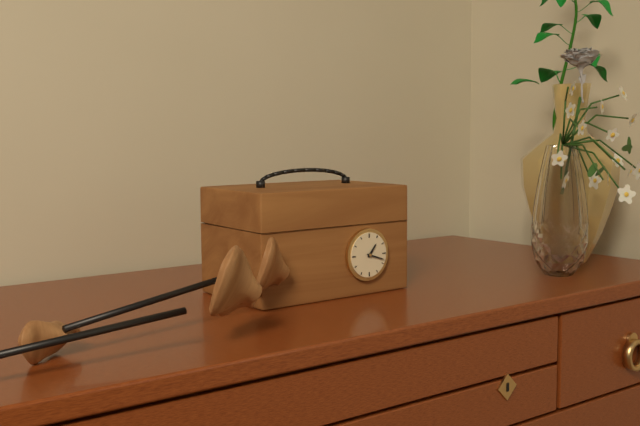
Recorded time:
h=1 m=18
